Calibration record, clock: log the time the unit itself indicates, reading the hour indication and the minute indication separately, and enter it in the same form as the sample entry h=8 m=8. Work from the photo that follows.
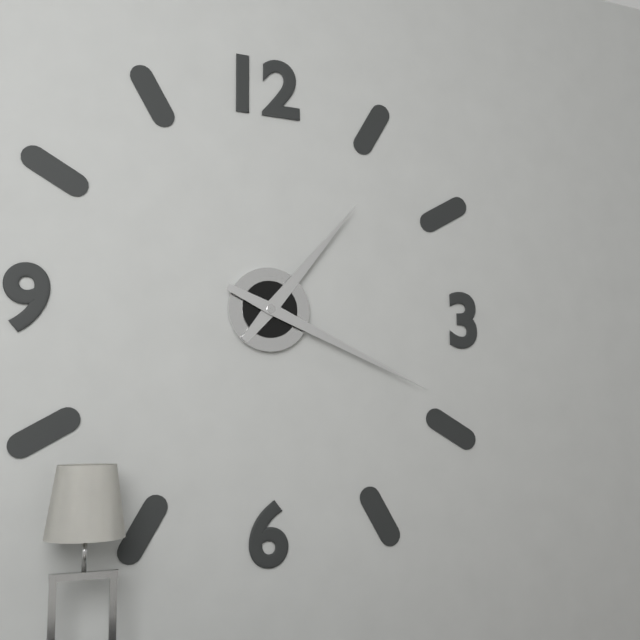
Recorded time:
h=1 m=19
